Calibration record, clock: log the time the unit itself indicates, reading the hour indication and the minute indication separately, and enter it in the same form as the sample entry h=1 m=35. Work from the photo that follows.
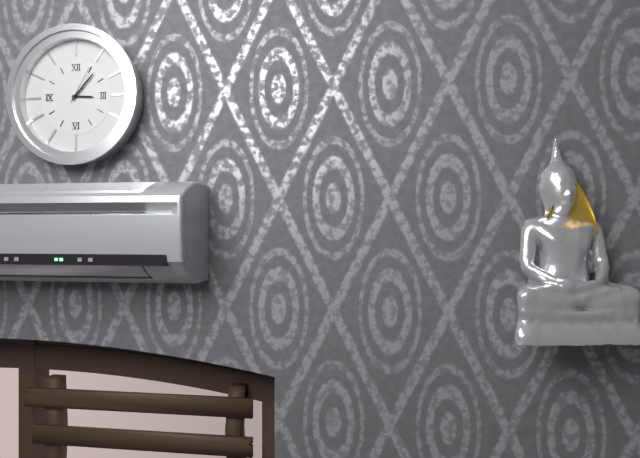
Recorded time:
h=3 m=7
